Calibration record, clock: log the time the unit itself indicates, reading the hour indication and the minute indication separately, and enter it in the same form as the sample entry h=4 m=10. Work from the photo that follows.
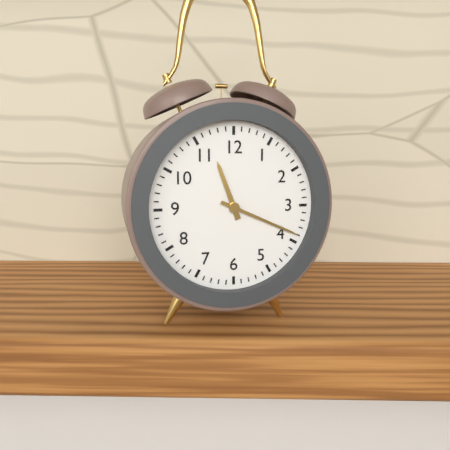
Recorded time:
h=11 m=19
